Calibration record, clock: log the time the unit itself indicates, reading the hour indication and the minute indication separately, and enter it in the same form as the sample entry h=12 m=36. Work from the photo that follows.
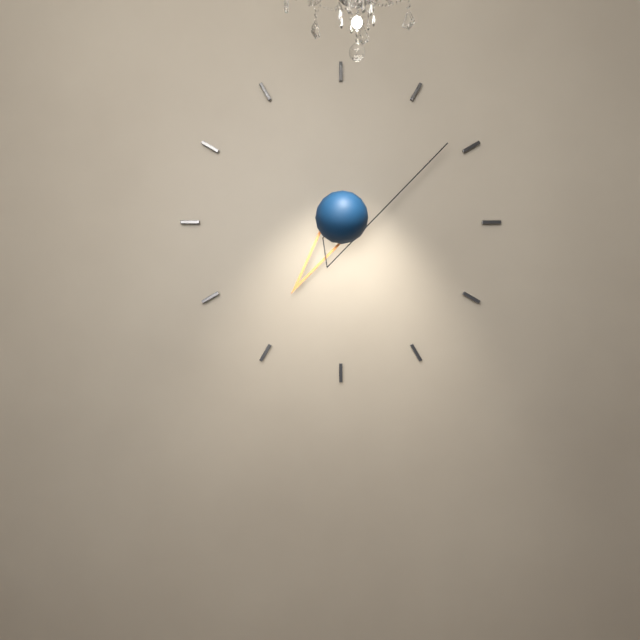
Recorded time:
h=7 m=9
